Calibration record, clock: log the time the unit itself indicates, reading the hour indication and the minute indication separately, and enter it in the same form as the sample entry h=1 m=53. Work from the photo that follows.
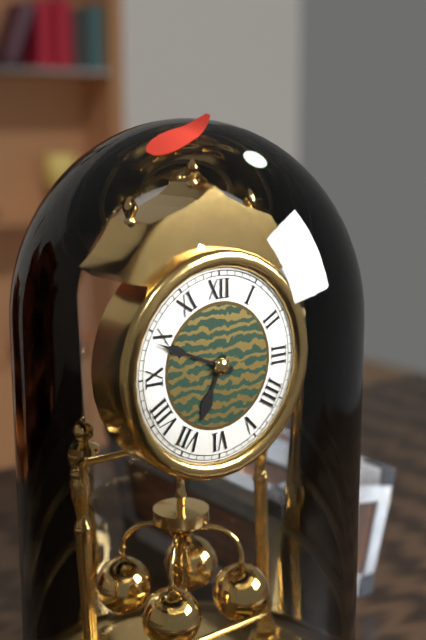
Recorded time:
h=6 m=49
